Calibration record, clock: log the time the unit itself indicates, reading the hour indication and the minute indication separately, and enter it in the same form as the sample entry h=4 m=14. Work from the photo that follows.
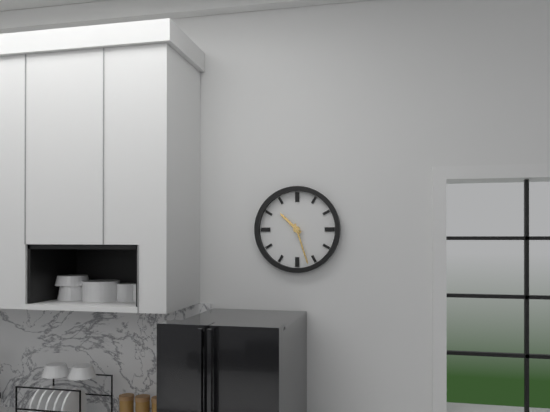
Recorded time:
h=10 m=27
